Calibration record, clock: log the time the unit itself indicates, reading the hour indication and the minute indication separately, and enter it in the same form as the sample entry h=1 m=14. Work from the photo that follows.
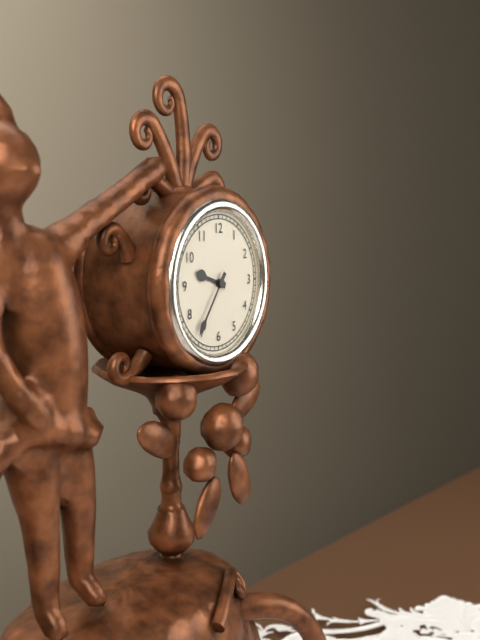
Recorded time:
h=9 m=36
